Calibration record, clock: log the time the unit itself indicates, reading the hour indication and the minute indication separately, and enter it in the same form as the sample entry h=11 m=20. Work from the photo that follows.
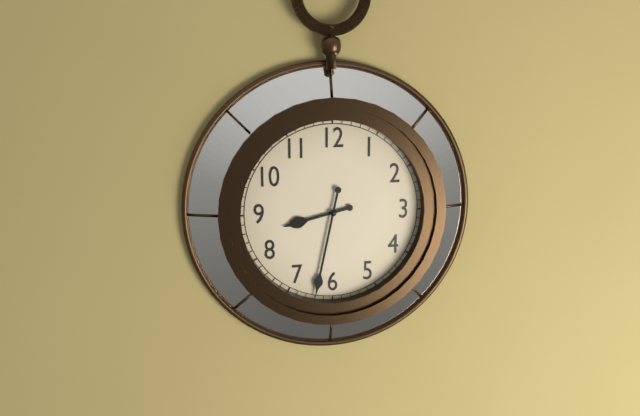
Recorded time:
h=8 m=32
